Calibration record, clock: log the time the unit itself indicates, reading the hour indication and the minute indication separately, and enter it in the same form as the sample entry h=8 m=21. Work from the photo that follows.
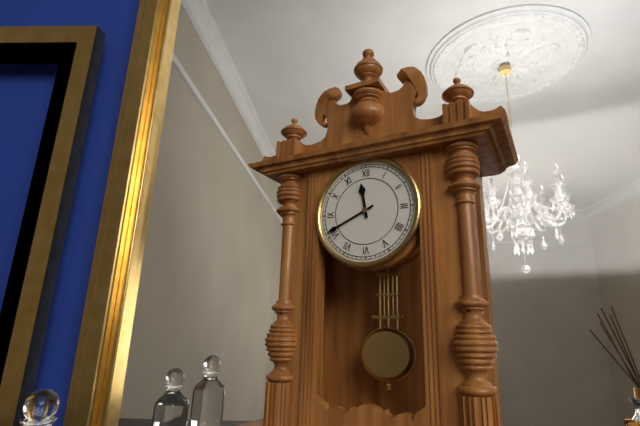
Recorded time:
h=11 m=41
